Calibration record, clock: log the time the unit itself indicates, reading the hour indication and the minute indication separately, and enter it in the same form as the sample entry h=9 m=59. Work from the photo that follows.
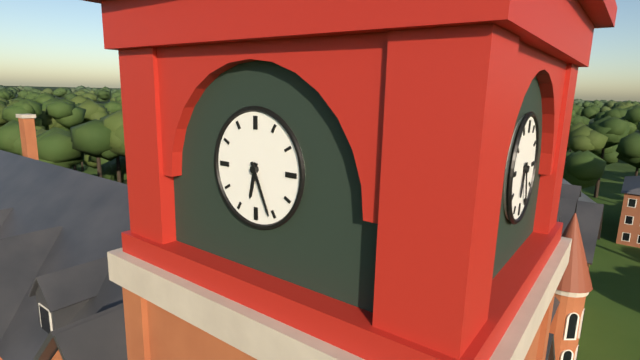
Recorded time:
h=6 m=26
